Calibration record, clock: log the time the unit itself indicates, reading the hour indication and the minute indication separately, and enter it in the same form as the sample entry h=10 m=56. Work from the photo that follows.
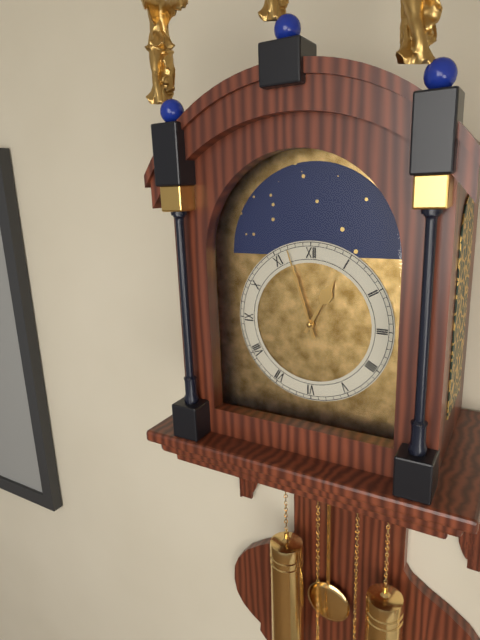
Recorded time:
h=12 m=57
